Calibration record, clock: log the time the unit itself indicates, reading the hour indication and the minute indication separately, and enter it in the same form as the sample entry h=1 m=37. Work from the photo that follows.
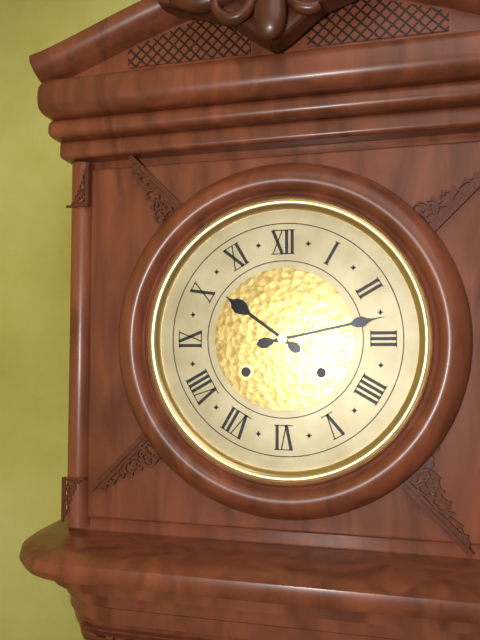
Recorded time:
h=10 m=13
